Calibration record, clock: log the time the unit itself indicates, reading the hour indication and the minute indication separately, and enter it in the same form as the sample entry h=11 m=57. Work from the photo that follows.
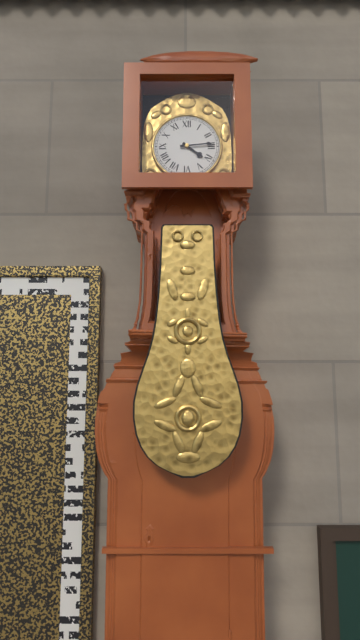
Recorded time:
h=4 m=14
